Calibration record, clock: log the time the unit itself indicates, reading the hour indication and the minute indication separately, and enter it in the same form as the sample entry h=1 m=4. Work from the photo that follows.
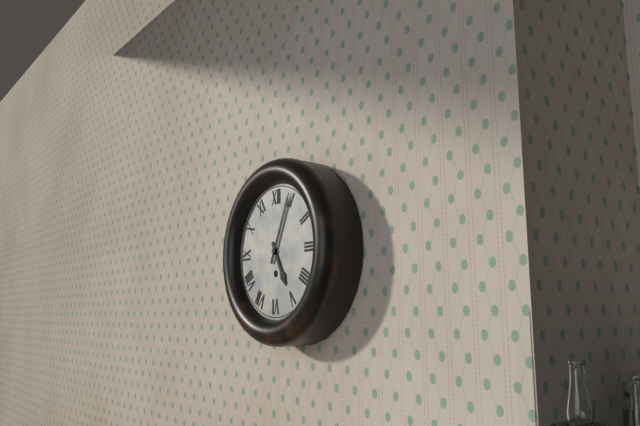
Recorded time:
h=5 m=4
